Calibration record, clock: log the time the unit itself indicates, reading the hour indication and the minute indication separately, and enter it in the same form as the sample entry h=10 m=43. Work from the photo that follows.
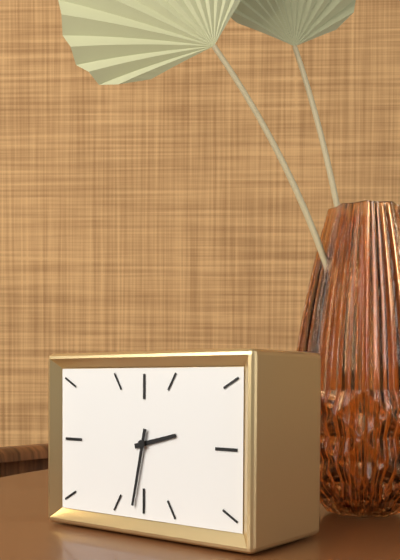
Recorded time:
h=2 m=32
